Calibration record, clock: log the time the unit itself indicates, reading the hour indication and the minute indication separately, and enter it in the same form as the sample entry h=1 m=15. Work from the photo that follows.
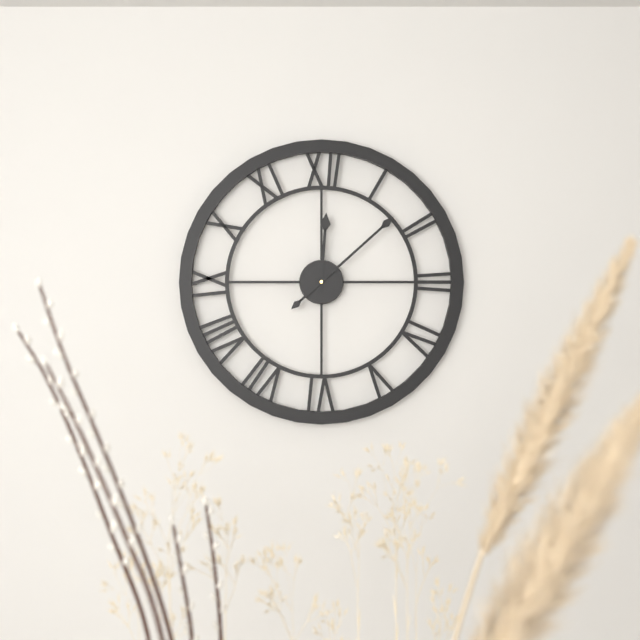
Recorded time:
h=12 m=8
